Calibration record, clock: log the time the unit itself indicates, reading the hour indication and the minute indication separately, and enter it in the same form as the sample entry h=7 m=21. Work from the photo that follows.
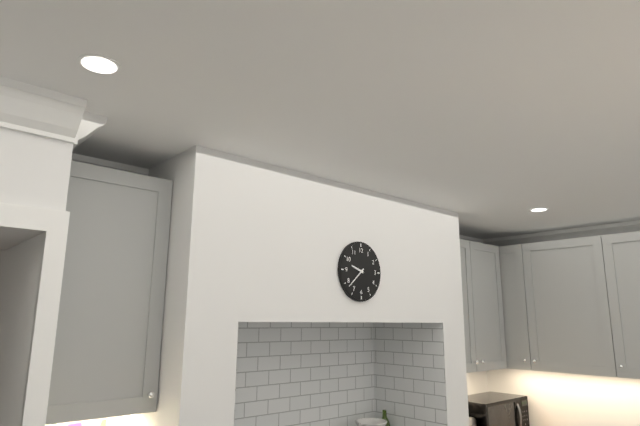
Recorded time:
h=9 m=38
